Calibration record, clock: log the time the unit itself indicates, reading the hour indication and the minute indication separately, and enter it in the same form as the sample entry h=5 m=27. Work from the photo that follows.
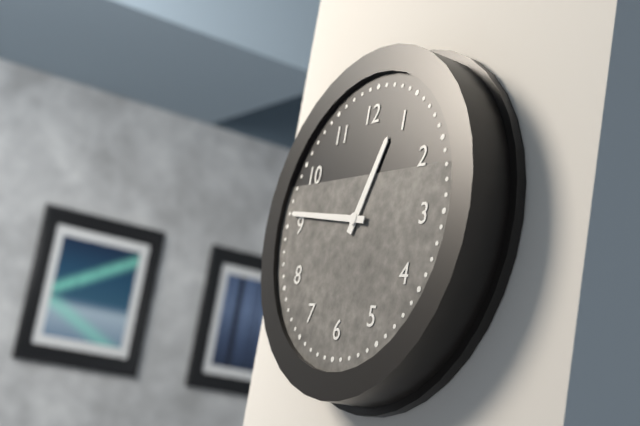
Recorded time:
h=12 m=46
